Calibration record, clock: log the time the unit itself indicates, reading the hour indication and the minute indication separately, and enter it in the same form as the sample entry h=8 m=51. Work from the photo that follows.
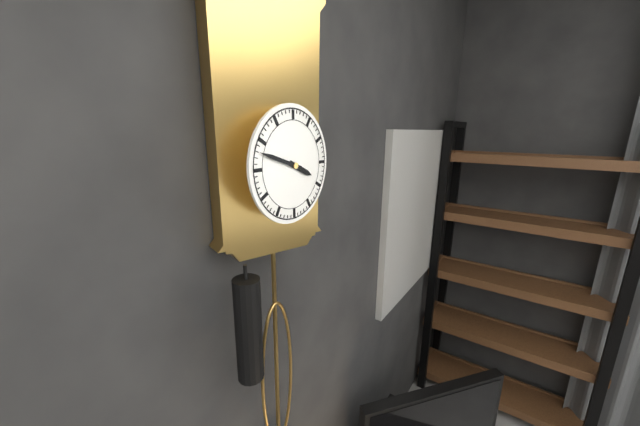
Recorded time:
h=3 m=48
